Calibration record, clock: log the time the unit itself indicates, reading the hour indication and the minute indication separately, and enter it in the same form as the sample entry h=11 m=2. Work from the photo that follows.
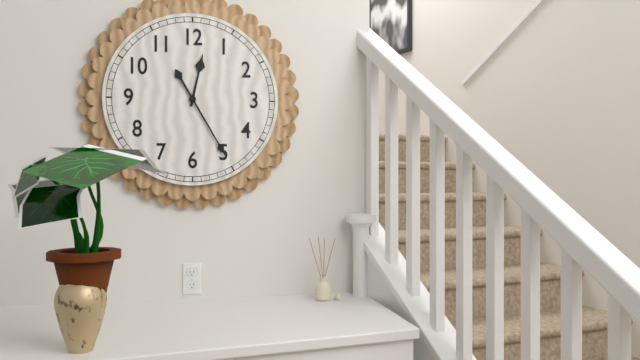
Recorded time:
h=12 m=25
